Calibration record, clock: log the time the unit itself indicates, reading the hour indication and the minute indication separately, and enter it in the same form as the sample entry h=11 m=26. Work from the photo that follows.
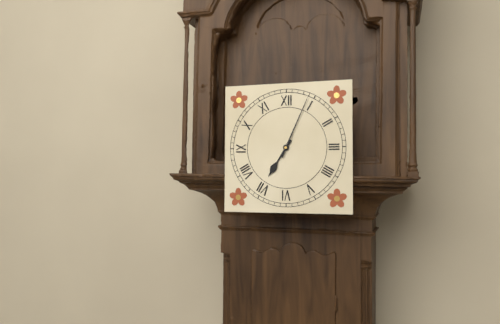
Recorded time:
h=7 m=4
